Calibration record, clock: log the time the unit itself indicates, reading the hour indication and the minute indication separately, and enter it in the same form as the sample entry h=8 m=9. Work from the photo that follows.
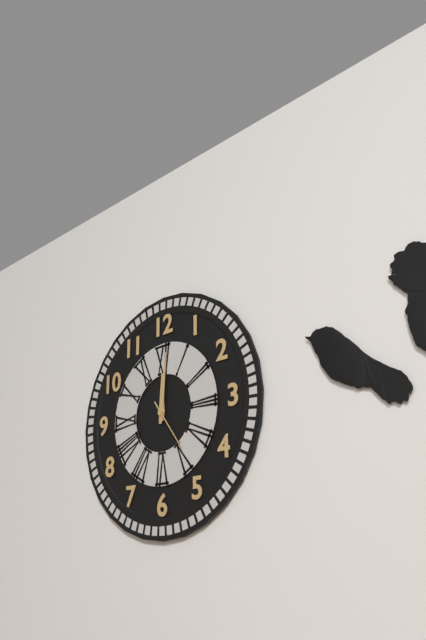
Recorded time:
h=12 m=1
